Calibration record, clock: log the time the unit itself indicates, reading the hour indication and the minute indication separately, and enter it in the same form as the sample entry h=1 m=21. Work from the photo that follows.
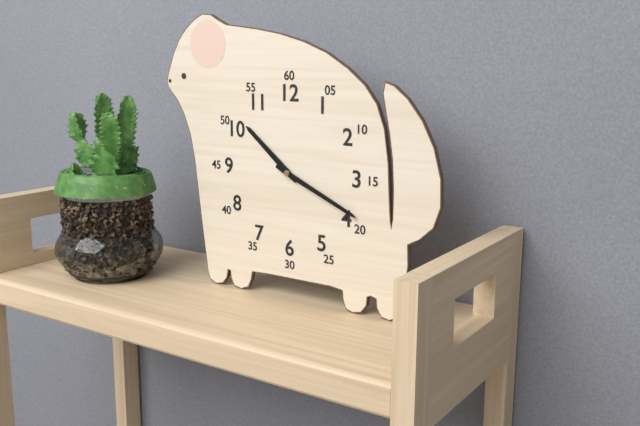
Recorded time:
h=10 m=19
